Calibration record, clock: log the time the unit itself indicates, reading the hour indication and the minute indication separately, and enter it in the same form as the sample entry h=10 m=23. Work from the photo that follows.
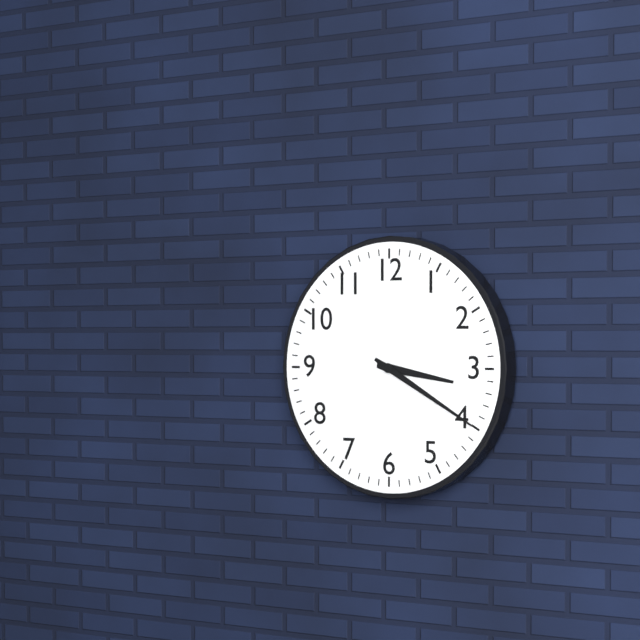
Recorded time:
h=3 m=20
